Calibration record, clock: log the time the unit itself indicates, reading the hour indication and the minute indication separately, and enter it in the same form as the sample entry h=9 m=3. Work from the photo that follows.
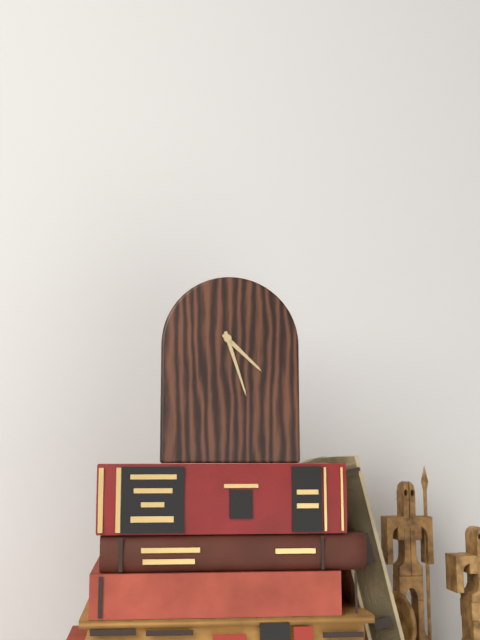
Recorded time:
h=4 m=27
